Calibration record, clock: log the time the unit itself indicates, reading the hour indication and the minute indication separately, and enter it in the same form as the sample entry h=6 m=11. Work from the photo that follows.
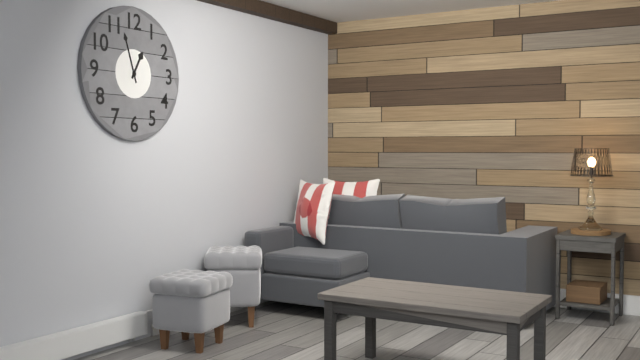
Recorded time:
h=12 m=57
